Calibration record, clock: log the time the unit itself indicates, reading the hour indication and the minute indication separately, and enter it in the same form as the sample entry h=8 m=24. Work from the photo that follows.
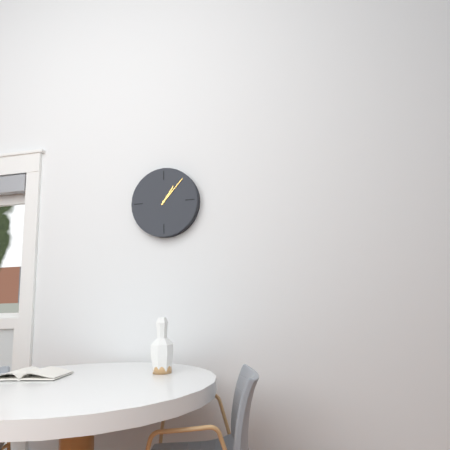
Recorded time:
h=1 m=7
